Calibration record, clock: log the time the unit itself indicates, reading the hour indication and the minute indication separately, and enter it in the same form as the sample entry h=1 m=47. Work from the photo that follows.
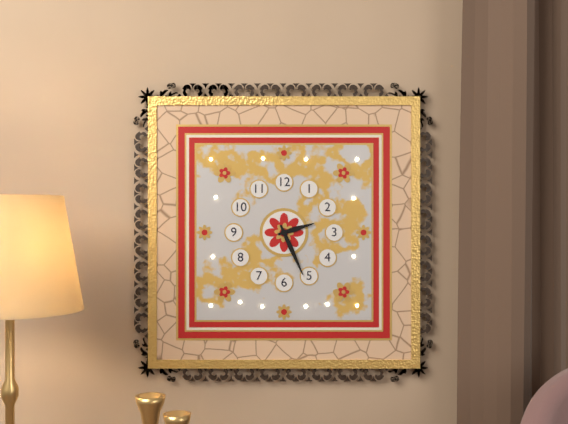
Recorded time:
h=2 m=26
